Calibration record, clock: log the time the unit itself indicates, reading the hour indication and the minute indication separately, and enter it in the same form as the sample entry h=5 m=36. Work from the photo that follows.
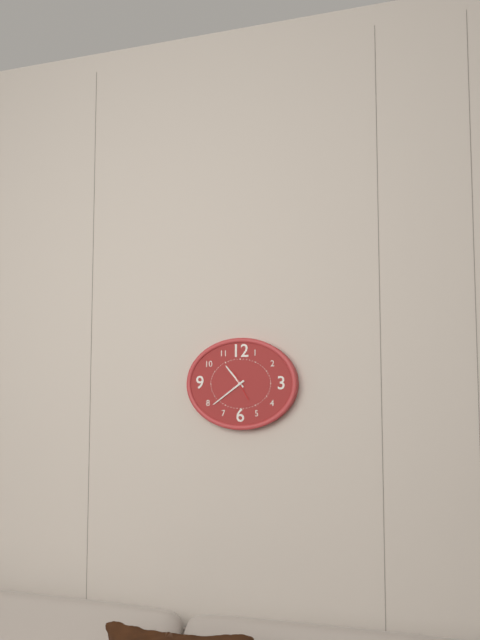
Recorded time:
h=10 m=39
